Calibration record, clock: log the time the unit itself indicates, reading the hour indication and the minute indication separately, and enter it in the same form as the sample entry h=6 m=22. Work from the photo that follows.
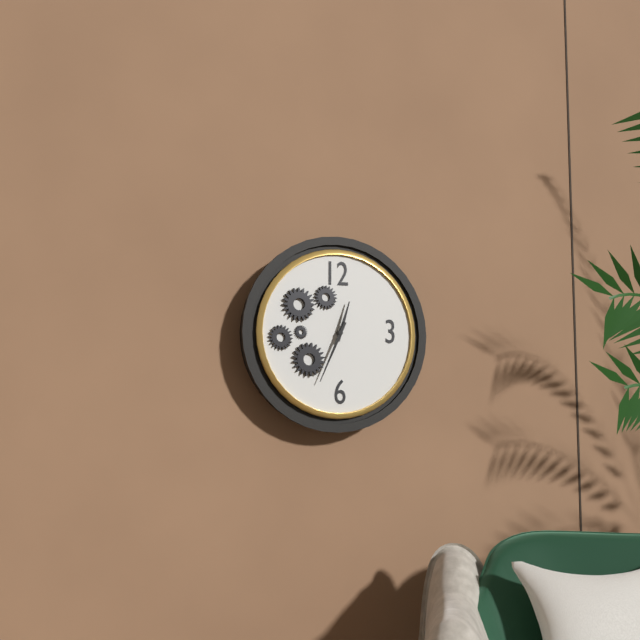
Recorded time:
h=12 m=34
